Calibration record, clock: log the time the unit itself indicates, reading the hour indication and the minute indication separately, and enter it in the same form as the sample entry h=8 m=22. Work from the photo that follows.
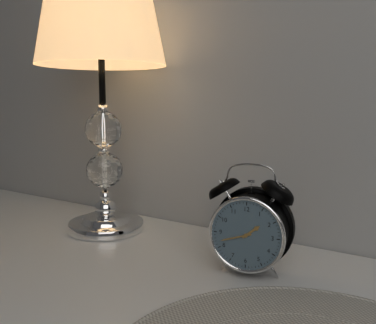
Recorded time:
h=1 m=42
